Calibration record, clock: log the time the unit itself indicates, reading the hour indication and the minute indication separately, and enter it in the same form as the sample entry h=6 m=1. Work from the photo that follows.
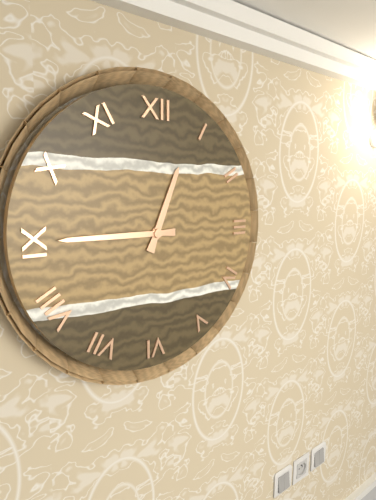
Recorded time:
h=12 m=45
